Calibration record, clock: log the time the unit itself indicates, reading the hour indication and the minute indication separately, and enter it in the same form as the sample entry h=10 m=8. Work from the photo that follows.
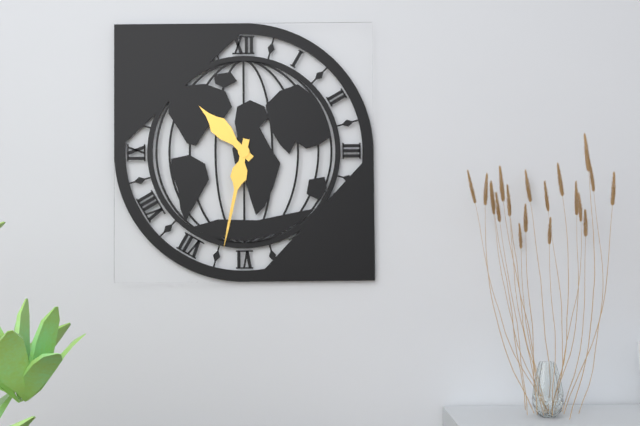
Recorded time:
h=10 m=32
